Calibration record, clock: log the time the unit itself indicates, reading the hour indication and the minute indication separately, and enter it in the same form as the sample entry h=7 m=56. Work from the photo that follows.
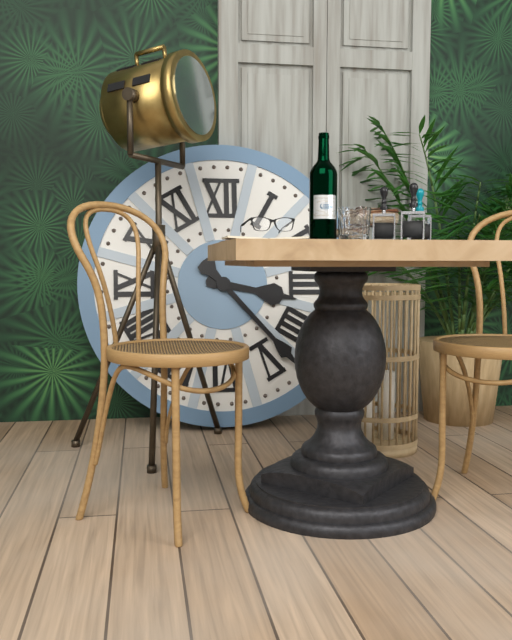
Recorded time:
h=3 m=23
